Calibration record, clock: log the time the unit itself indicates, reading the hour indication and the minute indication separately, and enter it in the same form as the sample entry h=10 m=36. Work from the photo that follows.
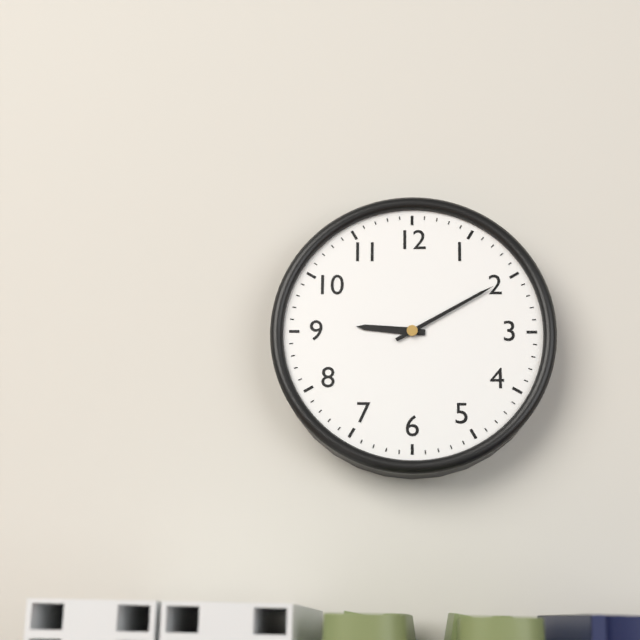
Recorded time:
h=9 m=10
